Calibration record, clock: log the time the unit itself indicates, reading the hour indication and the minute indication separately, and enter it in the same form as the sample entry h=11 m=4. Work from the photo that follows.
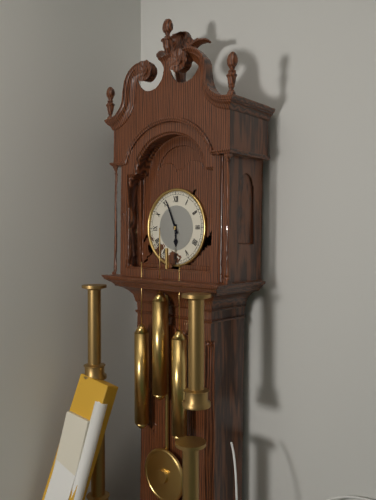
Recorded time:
h=5 m=56
